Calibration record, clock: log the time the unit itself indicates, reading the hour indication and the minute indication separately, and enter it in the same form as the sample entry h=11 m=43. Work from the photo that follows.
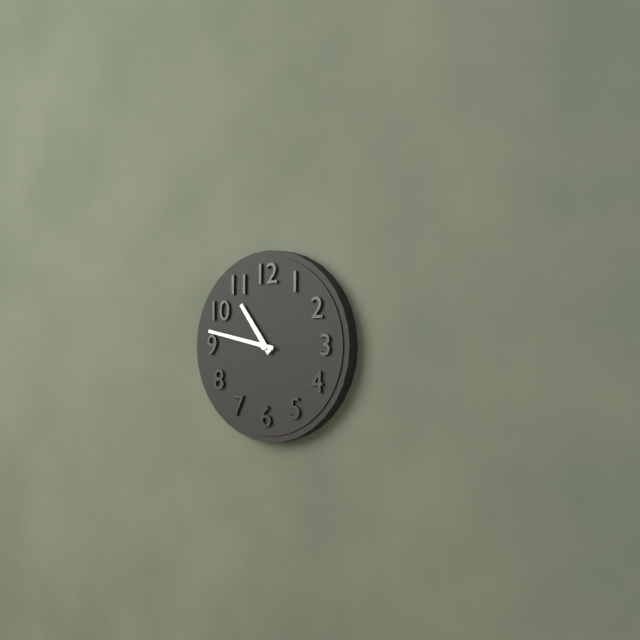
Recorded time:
h=10 m=47
